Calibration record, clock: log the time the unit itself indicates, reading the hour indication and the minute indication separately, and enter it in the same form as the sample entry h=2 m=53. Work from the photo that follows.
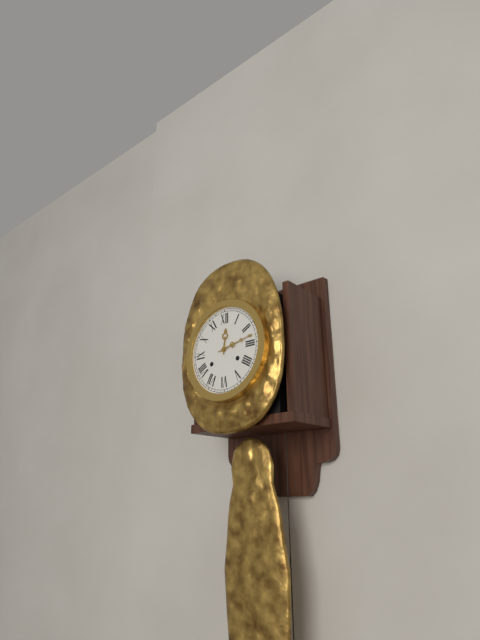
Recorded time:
h=12 m=13
